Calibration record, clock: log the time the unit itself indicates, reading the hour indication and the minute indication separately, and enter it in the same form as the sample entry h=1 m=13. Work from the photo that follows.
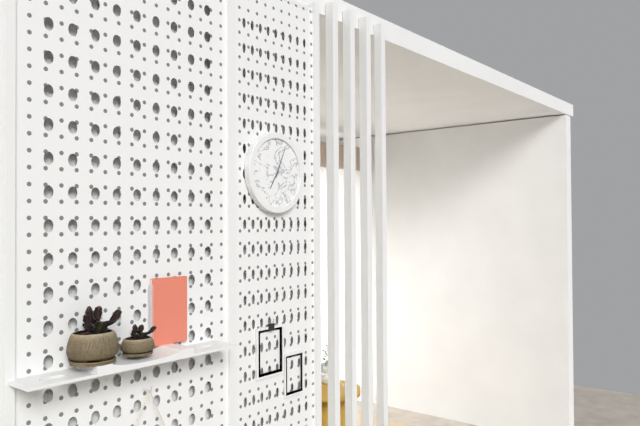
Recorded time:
h=7 m=4
